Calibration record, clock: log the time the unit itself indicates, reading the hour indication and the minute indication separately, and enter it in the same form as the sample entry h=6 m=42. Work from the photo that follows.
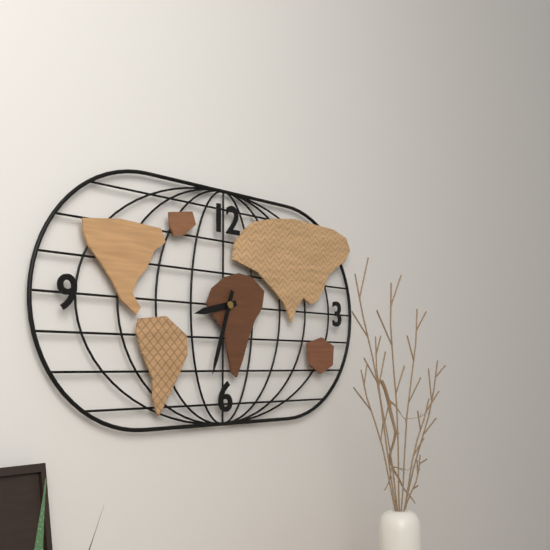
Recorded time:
h=8 m=33
